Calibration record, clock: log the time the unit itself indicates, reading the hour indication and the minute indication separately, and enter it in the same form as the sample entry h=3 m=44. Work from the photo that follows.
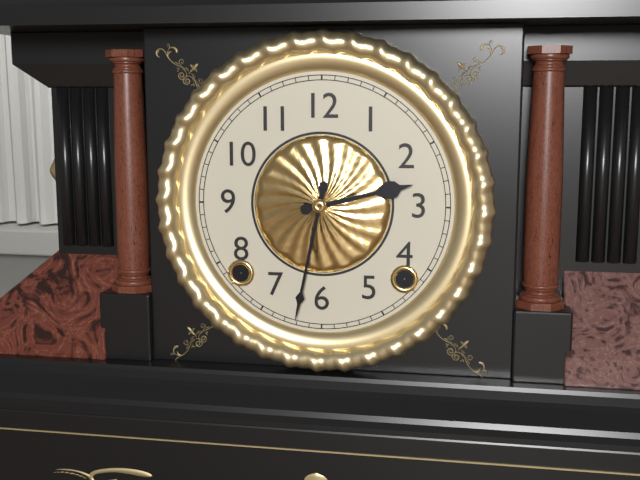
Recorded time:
h=2 m=32
